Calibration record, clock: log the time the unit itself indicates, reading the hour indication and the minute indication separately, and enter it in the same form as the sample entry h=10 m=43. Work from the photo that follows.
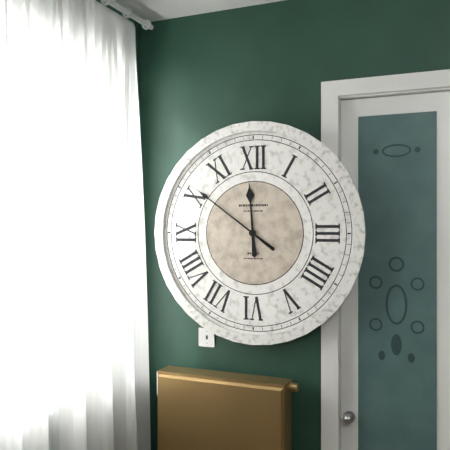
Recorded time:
h=11 m=51
